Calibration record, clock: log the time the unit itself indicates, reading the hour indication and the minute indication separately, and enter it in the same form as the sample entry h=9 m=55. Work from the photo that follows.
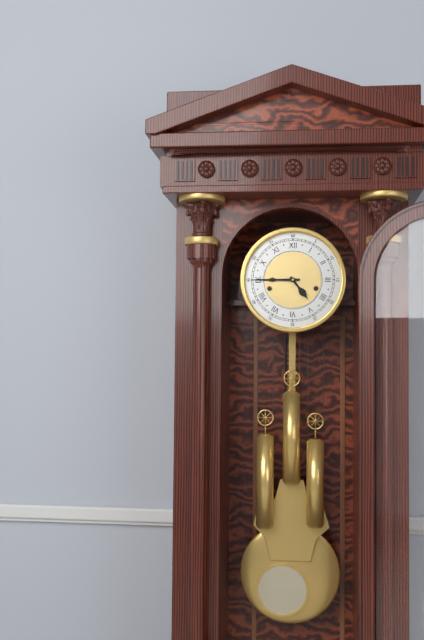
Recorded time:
h=4 m=45
